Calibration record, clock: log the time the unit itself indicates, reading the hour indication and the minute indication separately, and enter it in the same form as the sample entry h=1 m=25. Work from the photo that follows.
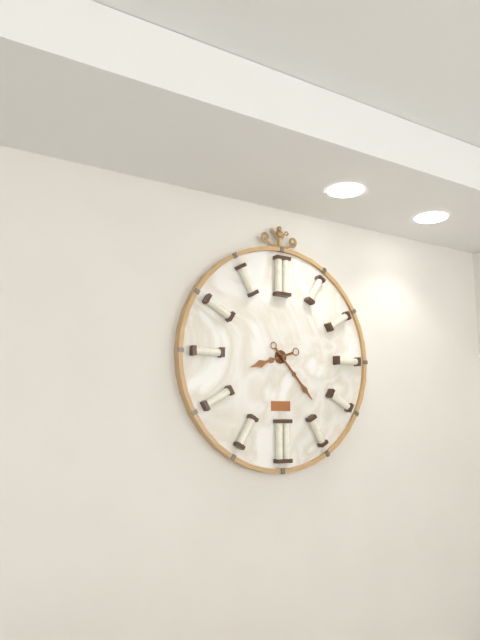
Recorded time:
h=8 m=23
